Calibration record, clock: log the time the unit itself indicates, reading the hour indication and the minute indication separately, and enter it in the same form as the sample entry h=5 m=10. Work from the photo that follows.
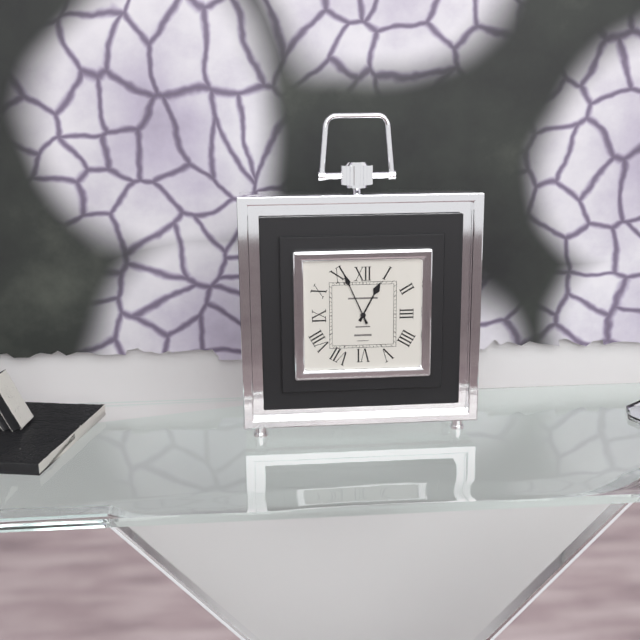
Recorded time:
h=12 m=56
